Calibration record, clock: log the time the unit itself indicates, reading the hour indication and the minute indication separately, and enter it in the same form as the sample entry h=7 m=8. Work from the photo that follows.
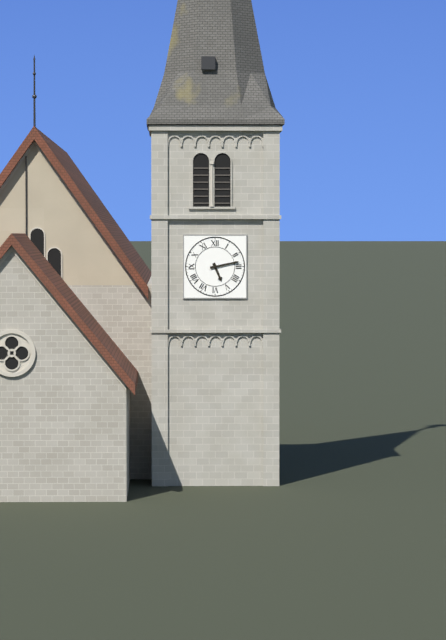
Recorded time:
h=5 m=13
